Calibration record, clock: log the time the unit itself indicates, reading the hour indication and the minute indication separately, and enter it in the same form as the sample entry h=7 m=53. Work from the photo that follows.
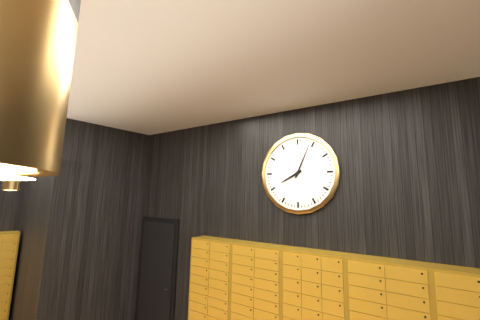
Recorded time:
h=8 m=4
